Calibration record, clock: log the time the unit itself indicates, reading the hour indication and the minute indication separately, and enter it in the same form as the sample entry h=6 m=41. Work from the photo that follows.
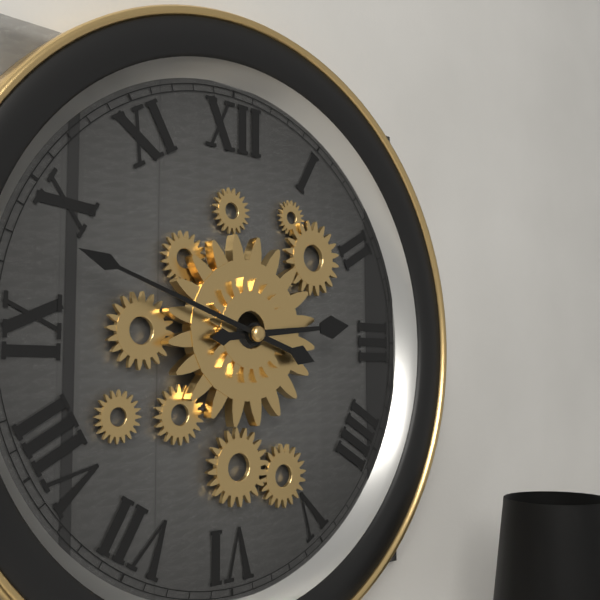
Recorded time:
h=2 m=48
